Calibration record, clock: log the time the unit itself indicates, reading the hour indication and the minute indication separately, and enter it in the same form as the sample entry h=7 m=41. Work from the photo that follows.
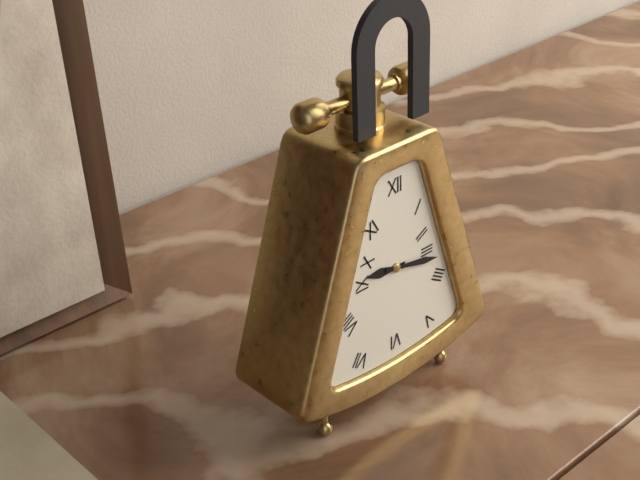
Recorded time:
h=9 m=17
